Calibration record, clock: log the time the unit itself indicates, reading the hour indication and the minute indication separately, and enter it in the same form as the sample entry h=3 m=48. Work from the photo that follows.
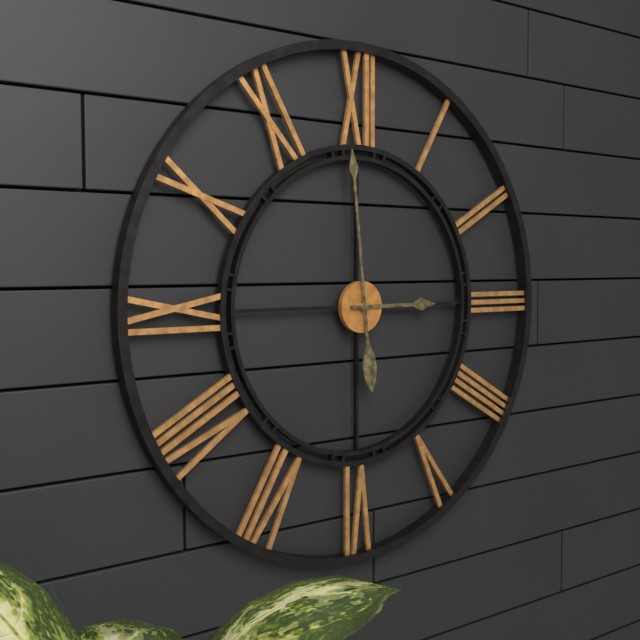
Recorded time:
h=2 m=59
